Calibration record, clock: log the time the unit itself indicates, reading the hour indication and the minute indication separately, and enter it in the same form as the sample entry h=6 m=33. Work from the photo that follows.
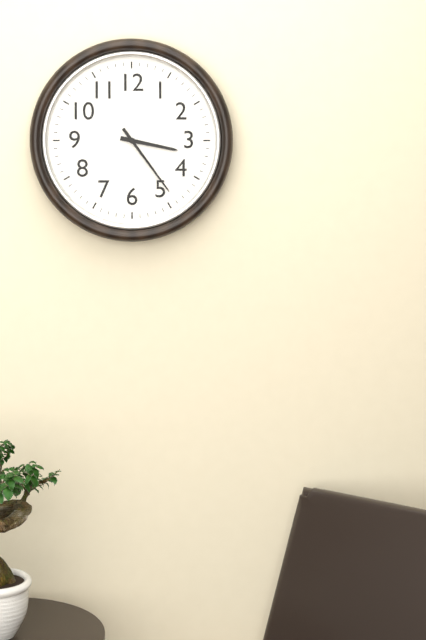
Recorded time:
h=3 m=24
